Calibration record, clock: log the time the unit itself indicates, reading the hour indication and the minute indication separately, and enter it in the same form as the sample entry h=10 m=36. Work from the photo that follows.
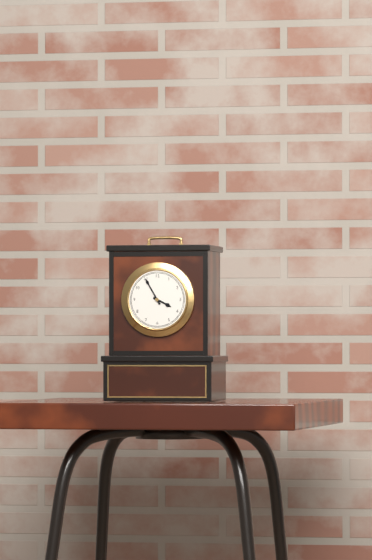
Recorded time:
h=3 m=55
